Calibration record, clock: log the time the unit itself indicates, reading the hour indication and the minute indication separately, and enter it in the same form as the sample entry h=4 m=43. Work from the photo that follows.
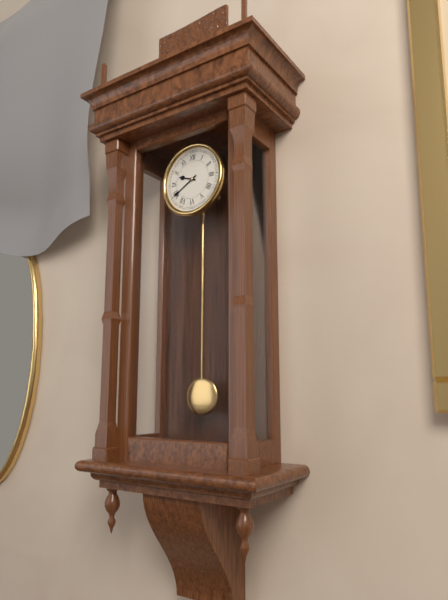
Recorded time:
h=9 m=40
